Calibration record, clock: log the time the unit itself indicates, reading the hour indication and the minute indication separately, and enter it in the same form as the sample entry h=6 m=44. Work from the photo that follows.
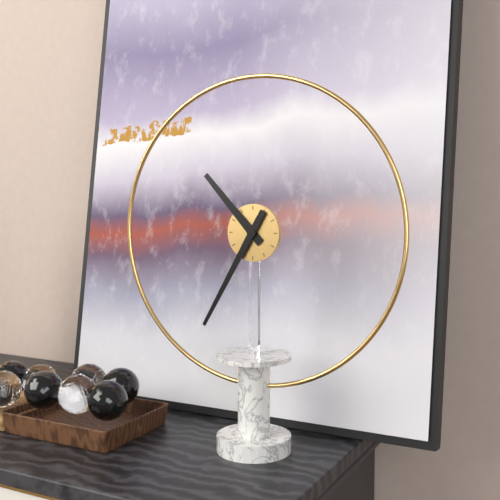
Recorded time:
h=10 m=35
